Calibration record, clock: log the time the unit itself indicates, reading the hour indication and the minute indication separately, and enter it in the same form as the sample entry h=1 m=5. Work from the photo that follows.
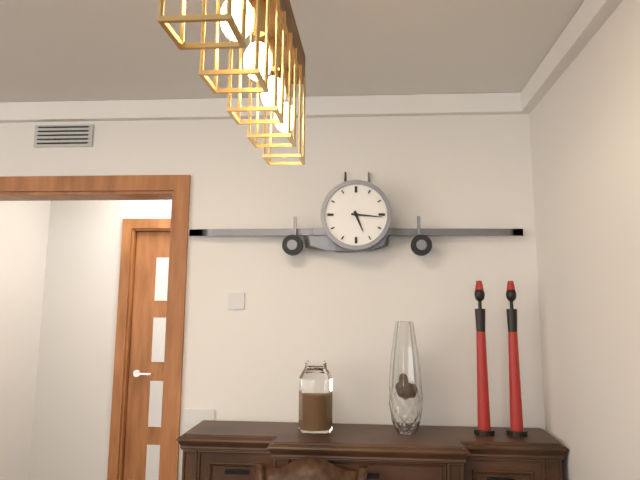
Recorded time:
h=5 m=16
